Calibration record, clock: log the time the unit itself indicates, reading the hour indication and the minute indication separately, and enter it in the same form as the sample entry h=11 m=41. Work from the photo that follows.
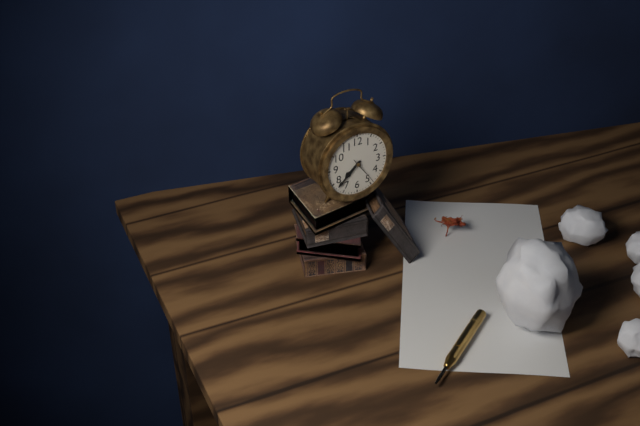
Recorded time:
h=7 m=38
